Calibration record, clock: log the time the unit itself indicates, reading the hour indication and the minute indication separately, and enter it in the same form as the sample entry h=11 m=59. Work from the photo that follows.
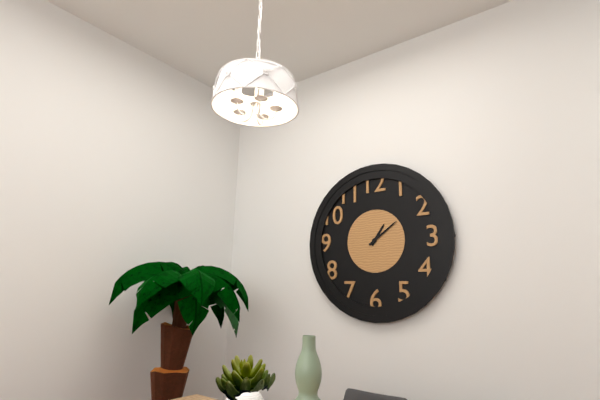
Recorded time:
h=1 m=9
